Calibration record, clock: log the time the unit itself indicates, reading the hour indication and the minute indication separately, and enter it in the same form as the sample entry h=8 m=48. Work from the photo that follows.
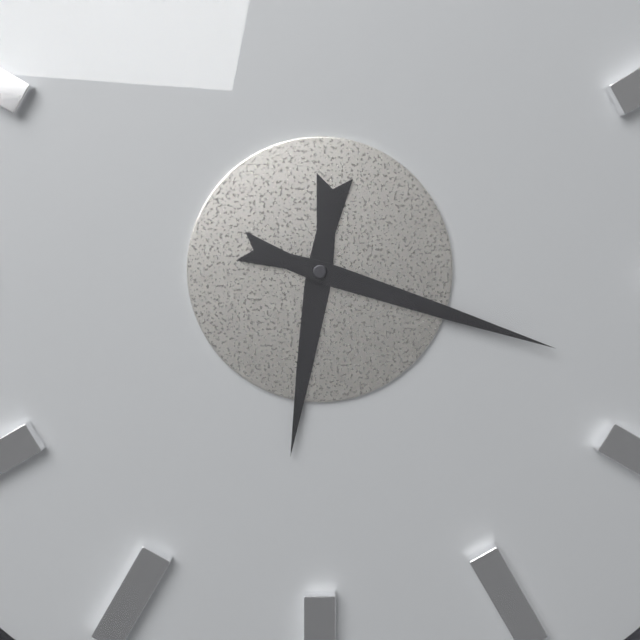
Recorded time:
h=6 m=18
